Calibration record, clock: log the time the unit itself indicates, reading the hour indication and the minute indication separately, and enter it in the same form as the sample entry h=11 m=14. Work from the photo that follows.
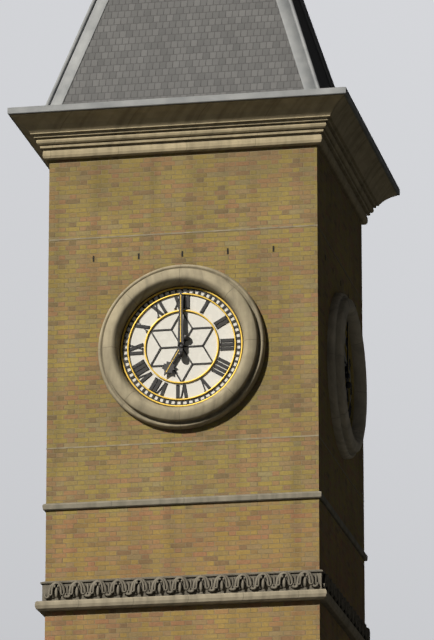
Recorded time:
h=7 m=0
